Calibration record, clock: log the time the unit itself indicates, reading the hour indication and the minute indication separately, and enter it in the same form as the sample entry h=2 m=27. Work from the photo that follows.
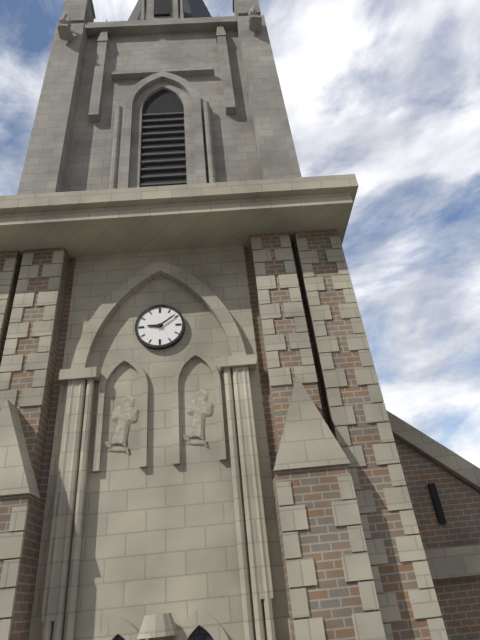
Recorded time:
h=9 m=9
